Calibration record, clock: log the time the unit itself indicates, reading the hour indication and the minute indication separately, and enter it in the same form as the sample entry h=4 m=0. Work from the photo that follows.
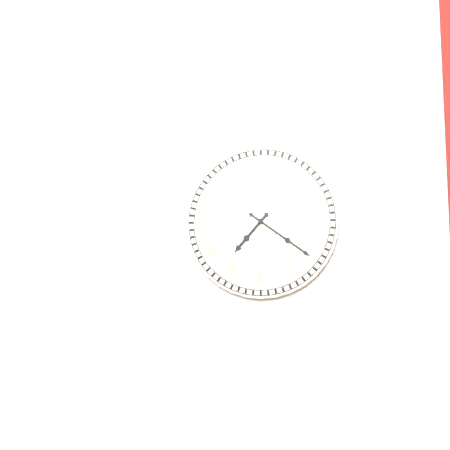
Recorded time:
h=7 m=21
